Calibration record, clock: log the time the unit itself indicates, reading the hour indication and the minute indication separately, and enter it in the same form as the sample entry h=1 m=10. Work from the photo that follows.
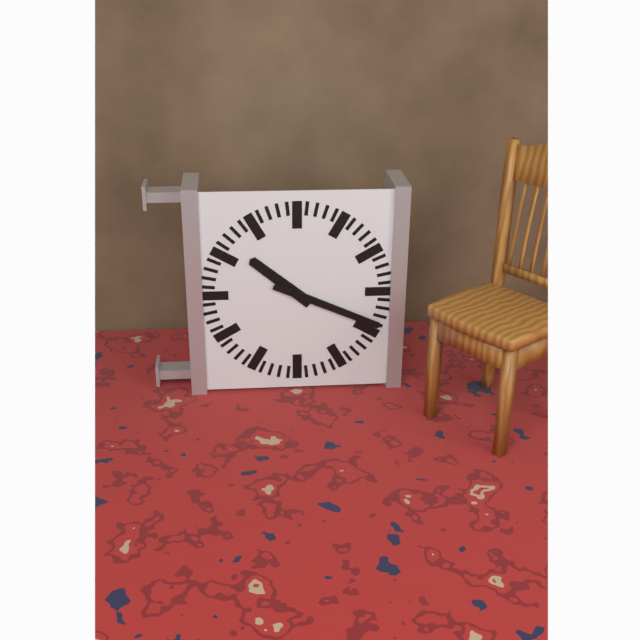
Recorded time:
h=10 m=19
